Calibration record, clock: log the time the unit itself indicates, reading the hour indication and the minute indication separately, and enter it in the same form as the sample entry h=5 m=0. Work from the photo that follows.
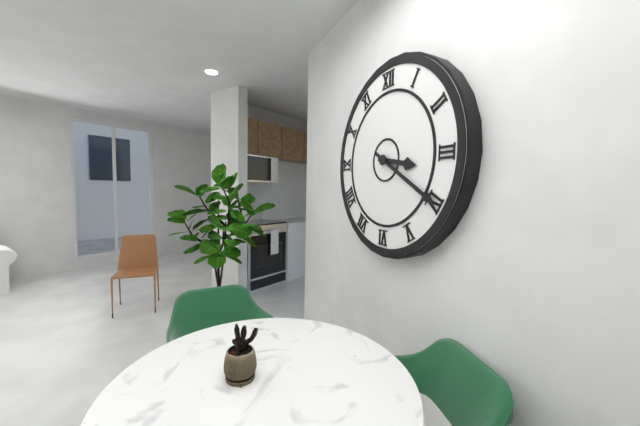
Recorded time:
h=3 m=20
